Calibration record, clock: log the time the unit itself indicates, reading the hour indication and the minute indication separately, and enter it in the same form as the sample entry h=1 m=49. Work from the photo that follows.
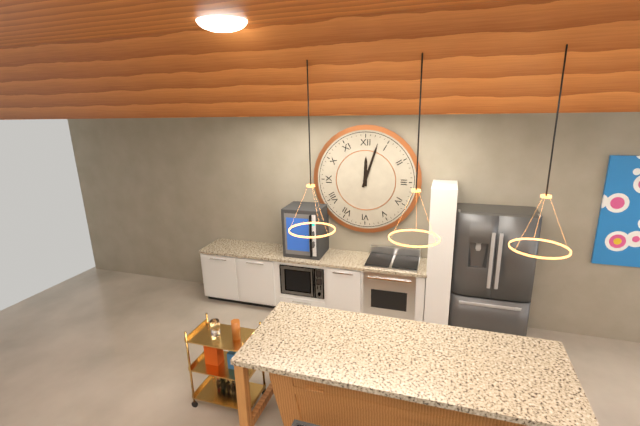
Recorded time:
h=12 m=3
